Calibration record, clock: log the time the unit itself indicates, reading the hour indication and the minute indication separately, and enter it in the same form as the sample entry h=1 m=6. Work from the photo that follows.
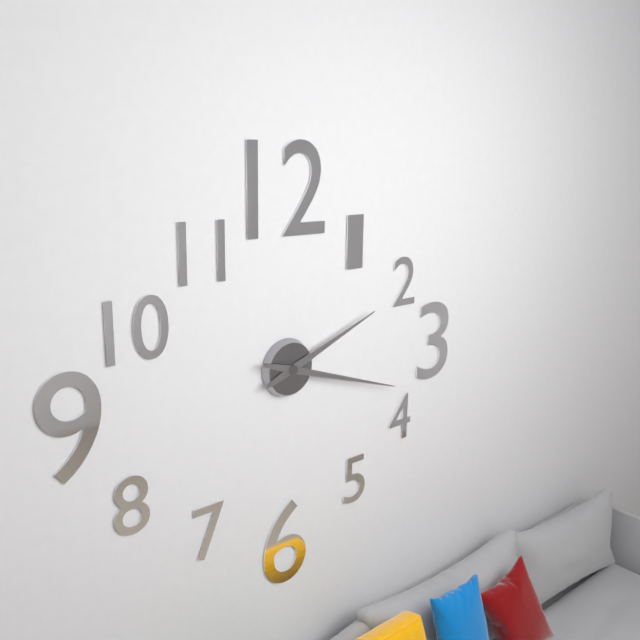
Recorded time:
h=2 m=18
